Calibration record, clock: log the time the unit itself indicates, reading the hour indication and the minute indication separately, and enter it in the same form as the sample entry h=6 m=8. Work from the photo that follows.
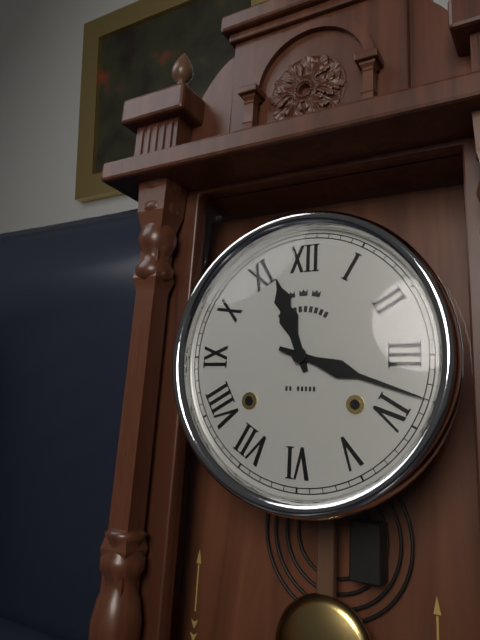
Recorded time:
h=11 m=18
